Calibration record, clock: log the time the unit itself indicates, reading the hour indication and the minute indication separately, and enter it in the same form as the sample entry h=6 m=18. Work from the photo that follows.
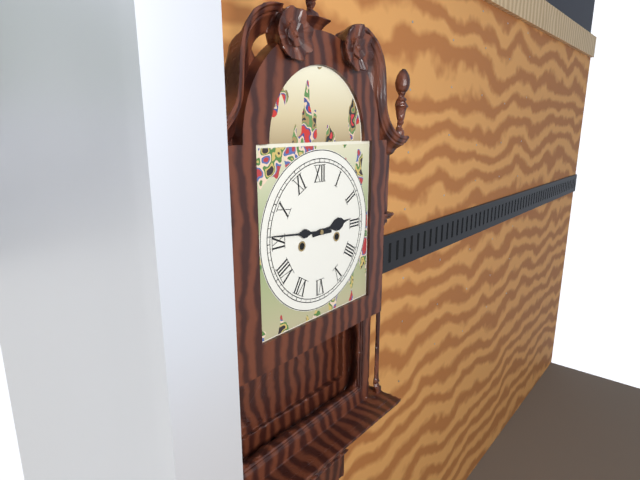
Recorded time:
h=2 m=46
